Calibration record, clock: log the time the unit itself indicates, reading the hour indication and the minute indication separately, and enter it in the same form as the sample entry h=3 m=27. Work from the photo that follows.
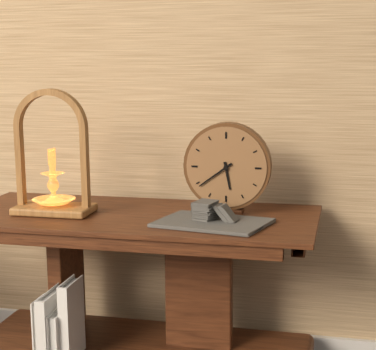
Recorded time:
h=5 m=39
